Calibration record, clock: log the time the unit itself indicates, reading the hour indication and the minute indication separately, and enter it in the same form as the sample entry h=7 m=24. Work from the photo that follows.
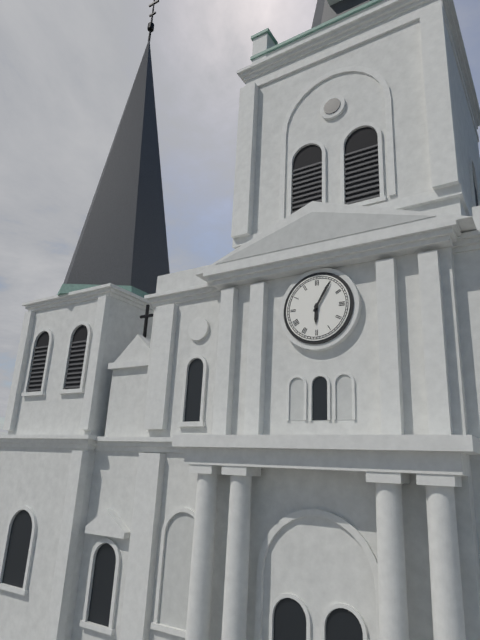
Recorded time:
h=6 m=5
